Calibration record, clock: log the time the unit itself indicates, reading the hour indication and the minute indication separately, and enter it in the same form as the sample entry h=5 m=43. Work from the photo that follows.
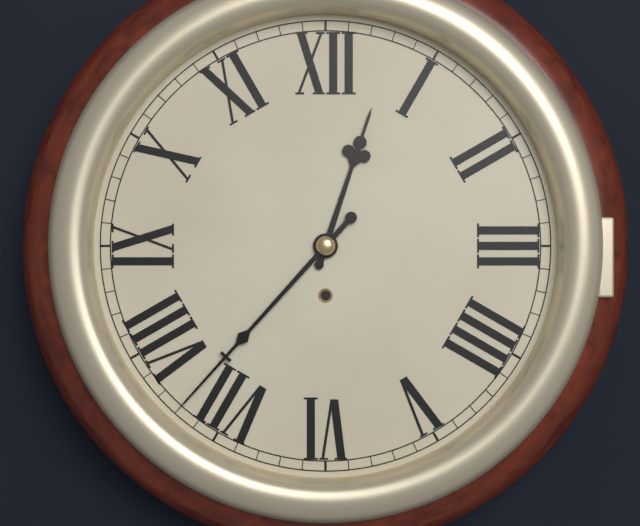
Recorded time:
h=12 m=37
